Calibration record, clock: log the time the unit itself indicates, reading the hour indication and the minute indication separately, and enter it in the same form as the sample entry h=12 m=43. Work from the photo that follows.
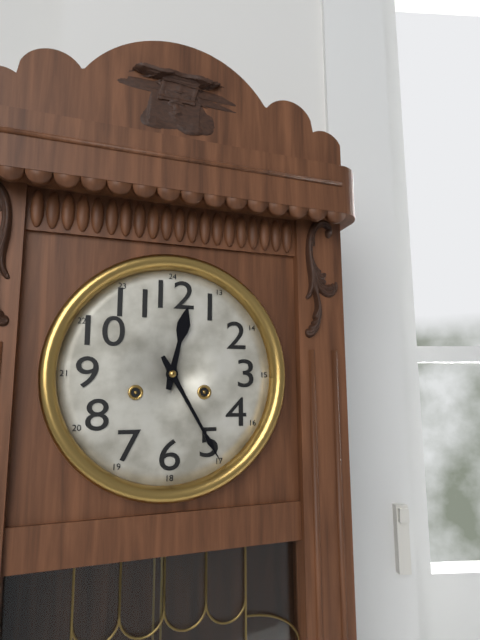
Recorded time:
h=12 m=25
